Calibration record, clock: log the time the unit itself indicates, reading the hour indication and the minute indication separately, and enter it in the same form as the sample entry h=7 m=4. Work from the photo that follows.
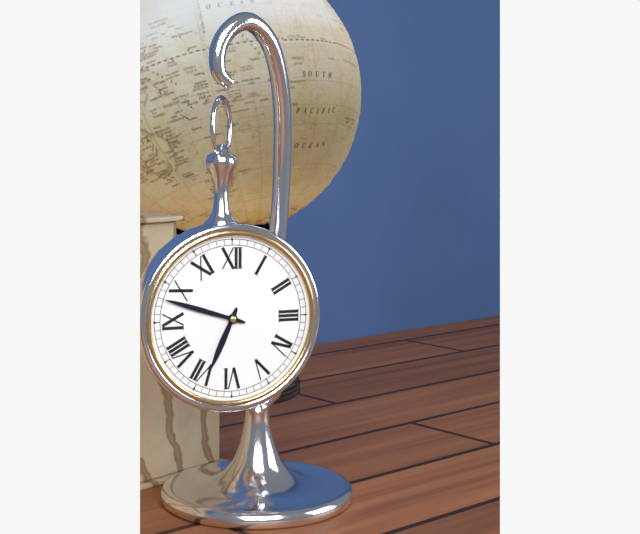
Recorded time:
h=6 m=48
